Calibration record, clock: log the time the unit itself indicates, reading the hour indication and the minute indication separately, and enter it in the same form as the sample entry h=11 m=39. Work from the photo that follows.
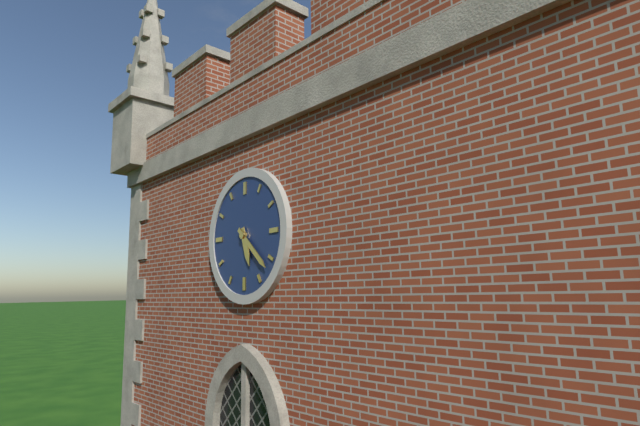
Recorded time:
h=5 m=22
